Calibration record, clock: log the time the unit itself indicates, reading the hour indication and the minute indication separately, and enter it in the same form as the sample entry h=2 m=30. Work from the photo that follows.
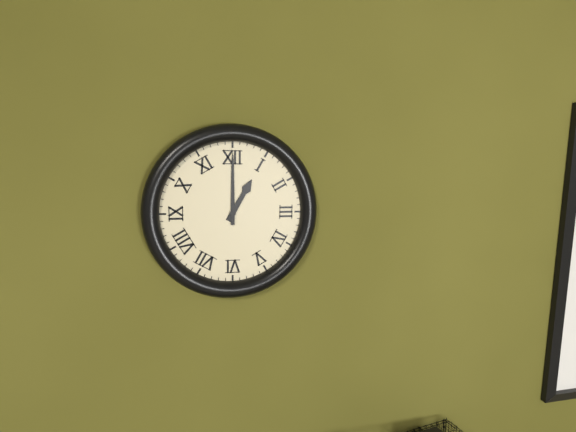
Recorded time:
h=1 m=0
